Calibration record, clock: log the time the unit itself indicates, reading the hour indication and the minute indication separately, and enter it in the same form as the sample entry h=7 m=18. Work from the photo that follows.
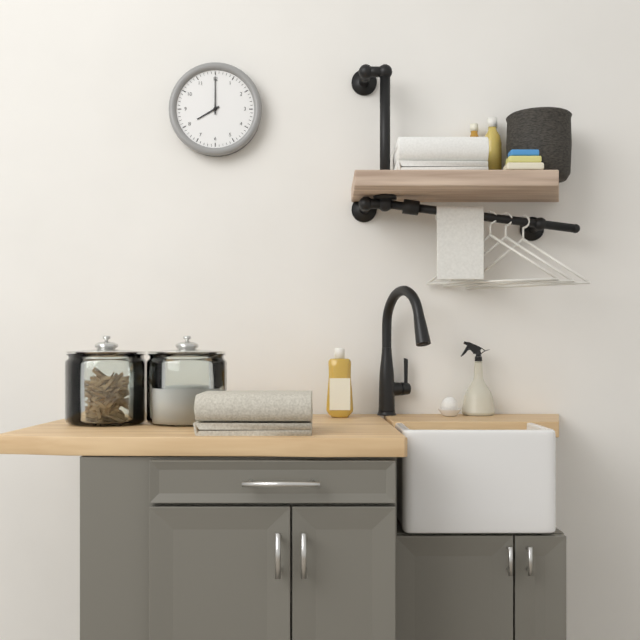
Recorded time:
h=8 m=0
